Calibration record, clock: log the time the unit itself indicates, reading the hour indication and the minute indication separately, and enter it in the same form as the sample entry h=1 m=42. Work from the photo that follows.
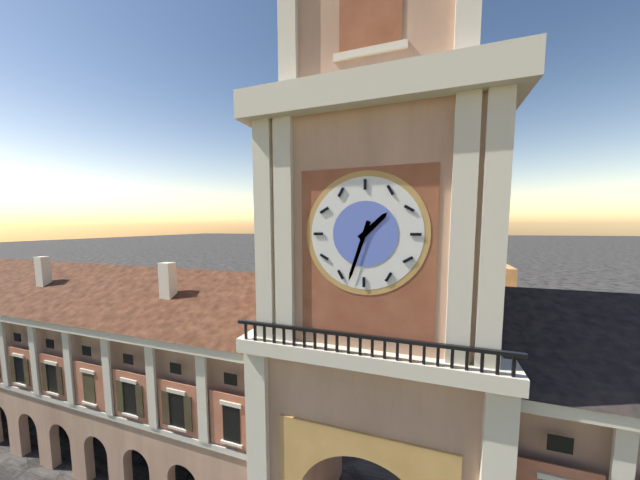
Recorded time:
h=1 m=33
